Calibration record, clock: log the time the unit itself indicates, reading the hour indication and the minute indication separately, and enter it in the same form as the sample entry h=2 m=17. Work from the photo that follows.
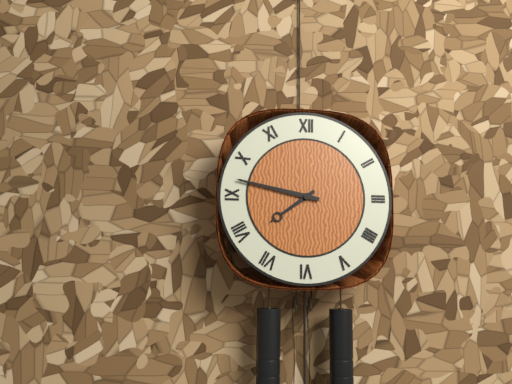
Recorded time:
h=7 m=47
